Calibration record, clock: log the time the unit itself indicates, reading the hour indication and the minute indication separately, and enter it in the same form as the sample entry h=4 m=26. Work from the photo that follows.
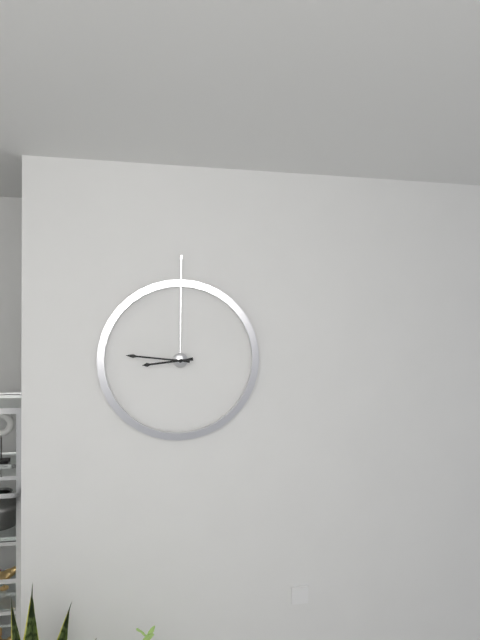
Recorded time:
h=8 m=46
